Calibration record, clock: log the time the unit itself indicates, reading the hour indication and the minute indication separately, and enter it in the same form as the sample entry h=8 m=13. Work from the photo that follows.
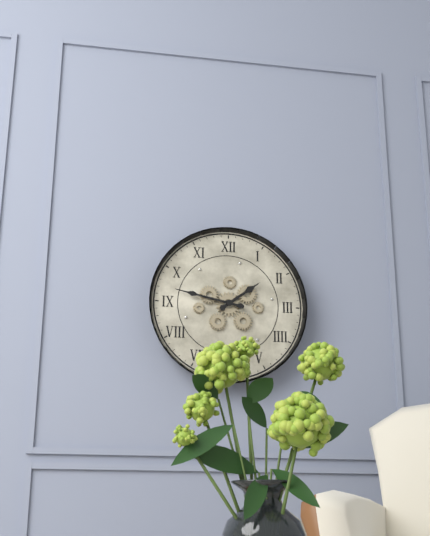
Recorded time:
h=1 m=47
